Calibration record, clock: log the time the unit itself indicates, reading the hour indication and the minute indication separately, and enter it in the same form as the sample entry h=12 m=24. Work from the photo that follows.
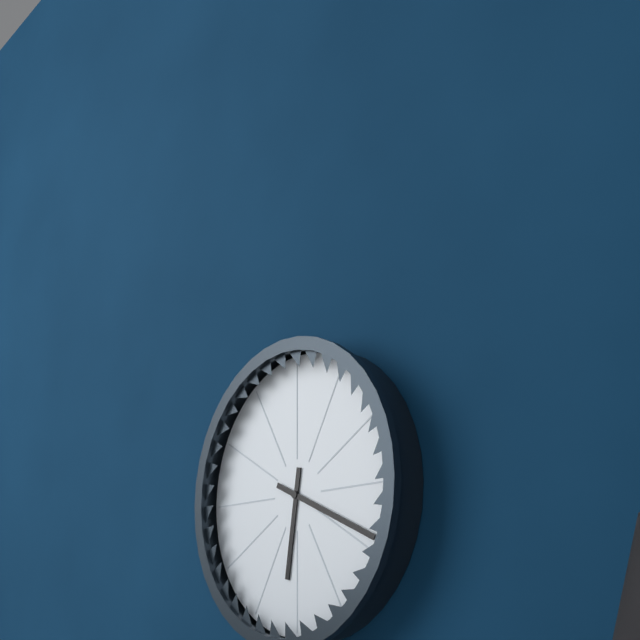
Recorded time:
h=6 m=19
